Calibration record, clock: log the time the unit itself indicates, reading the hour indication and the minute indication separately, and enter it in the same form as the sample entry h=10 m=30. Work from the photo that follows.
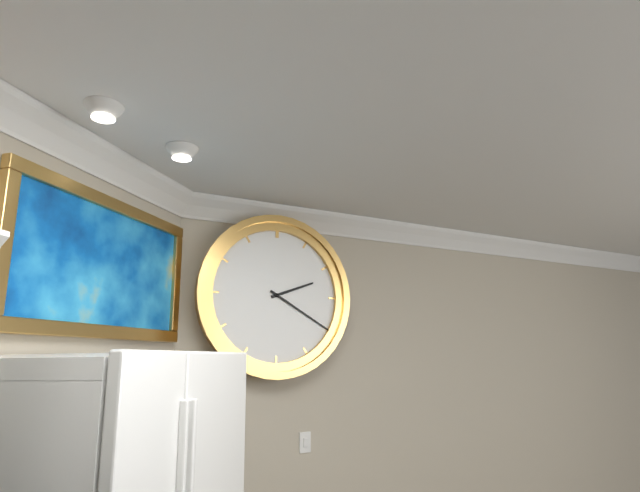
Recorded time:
h=2 m=20
